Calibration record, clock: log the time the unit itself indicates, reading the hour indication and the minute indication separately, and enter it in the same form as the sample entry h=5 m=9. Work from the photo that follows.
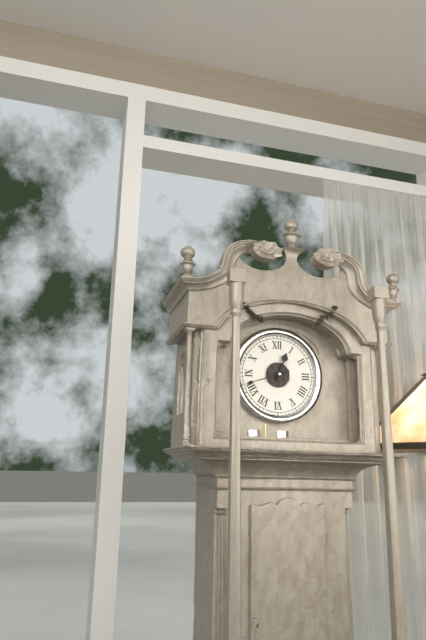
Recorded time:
h=12 m=42
